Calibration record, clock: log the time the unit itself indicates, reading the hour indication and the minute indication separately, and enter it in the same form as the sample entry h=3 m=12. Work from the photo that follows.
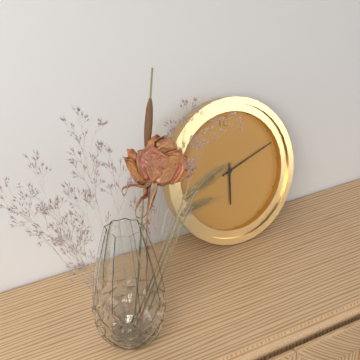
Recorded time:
h=6 m=12
